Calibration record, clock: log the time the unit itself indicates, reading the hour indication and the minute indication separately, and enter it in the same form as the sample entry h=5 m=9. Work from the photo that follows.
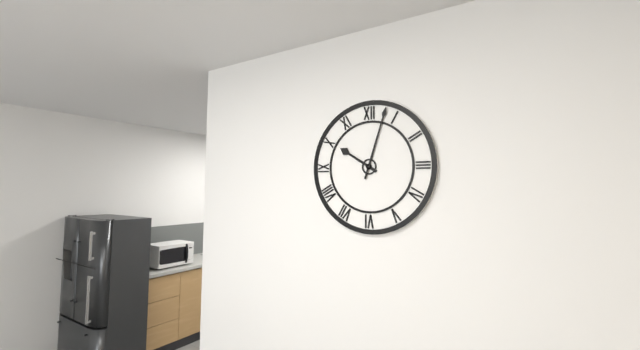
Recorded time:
h=10 m=3
